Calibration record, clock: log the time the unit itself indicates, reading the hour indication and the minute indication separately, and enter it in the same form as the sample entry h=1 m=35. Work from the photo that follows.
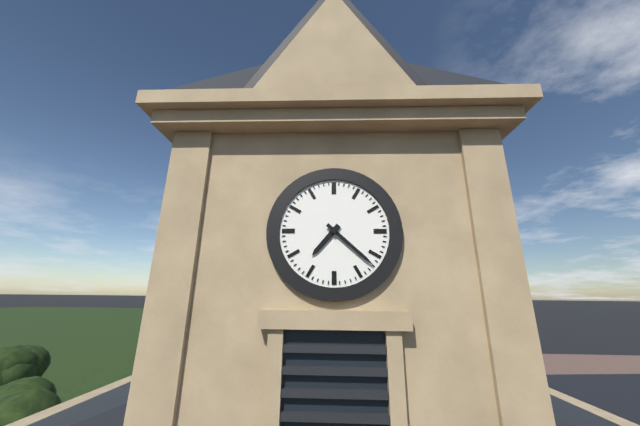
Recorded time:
h=7 m=22
